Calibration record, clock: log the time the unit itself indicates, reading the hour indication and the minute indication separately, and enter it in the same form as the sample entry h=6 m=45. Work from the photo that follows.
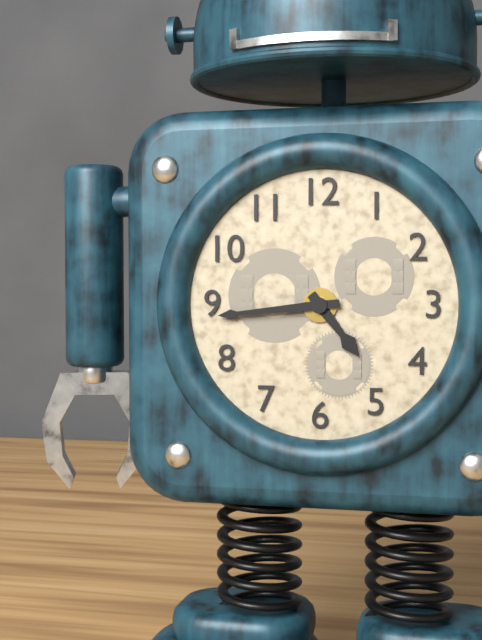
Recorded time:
h=4 m=44
